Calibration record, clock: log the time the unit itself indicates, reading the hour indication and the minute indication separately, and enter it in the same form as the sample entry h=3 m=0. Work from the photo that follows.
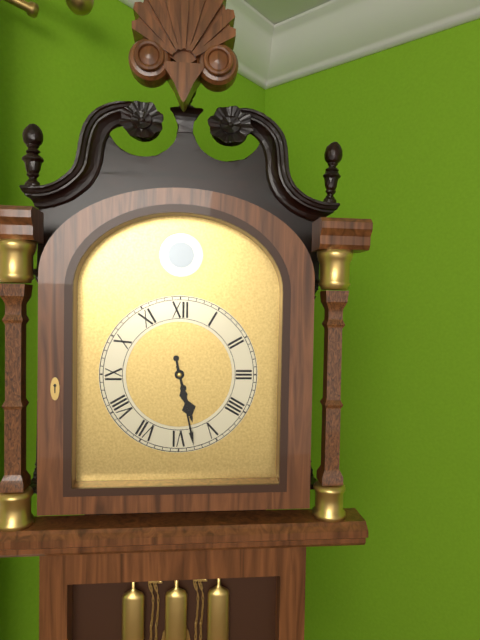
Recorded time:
h=5 m=28
